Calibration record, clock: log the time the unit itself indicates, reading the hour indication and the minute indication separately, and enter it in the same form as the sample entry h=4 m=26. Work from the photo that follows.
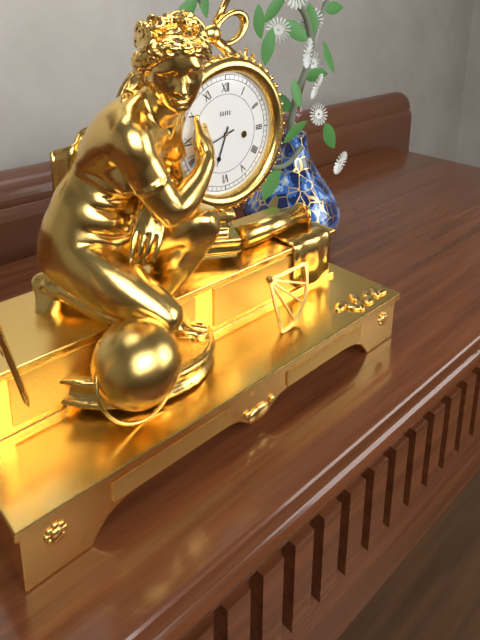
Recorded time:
h=6 m=42
